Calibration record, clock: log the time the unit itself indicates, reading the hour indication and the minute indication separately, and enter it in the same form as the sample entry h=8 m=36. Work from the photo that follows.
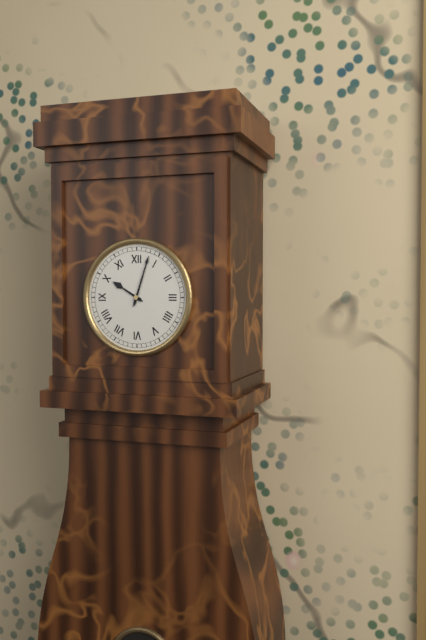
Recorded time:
h=10 m=3
